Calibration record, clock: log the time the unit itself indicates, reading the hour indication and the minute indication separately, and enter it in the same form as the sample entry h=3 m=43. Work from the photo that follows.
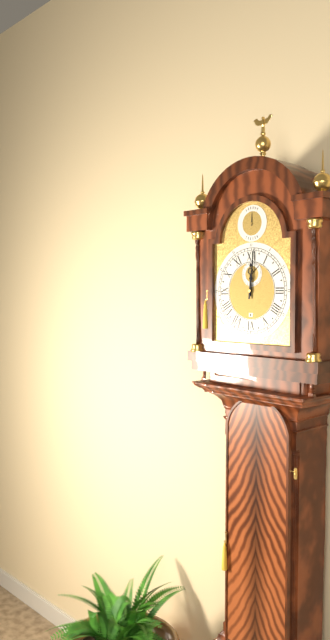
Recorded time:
h=12 m=1
